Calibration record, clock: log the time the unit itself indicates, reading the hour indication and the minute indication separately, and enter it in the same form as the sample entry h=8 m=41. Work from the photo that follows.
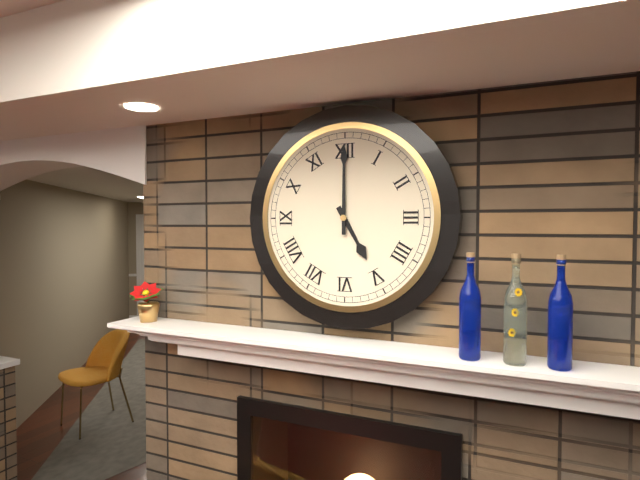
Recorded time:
h=5 m=0
